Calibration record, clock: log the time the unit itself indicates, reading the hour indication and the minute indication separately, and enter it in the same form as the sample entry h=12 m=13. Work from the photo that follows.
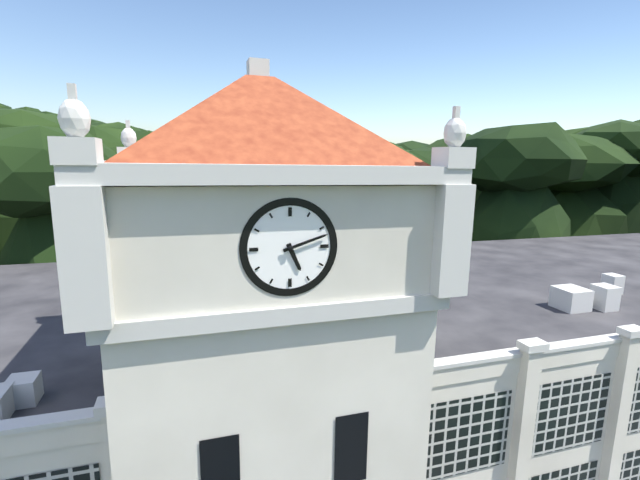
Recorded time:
h=5 m=12
